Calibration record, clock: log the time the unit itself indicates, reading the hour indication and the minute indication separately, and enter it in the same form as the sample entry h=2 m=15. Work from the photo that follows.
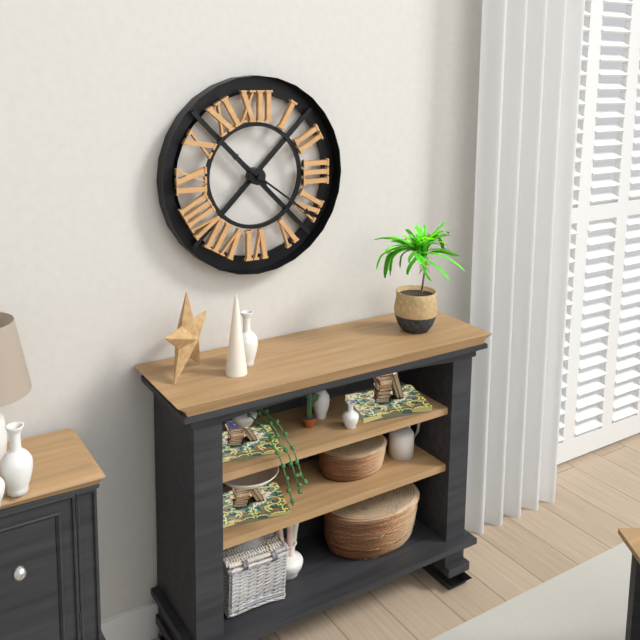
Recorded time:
h=10 m=21
